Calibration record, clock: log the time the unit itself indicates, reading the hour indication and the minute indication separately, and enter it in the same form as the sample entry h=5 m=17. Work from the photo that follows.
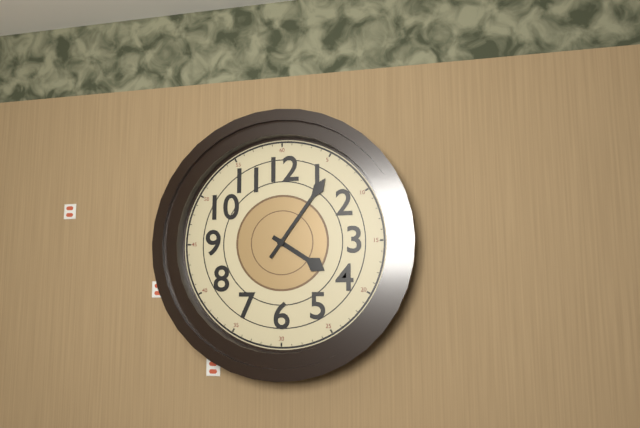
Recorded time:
h=4 m=6
